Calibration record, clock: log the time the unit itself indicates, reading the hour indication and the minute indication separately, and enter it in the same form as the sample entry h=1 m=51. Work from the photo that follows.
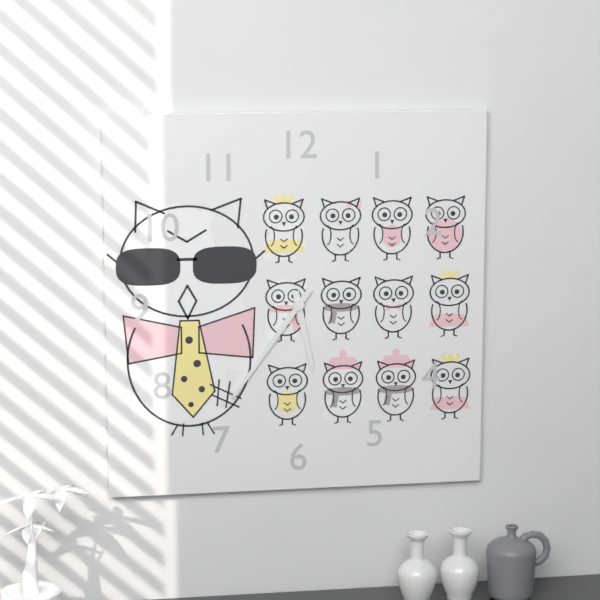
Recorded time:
h=5 m=36
